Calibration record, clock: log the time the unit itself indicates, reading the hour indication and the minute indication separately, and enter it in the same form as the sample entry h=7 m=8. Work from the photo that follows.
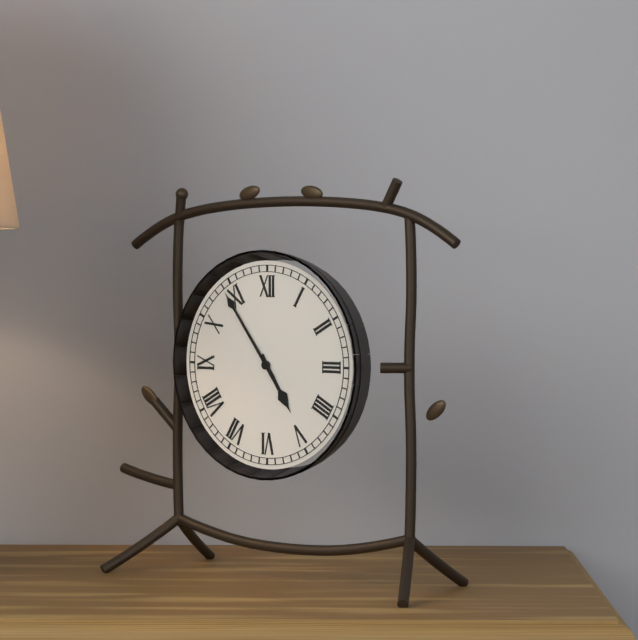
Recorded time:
h=4 m=54
